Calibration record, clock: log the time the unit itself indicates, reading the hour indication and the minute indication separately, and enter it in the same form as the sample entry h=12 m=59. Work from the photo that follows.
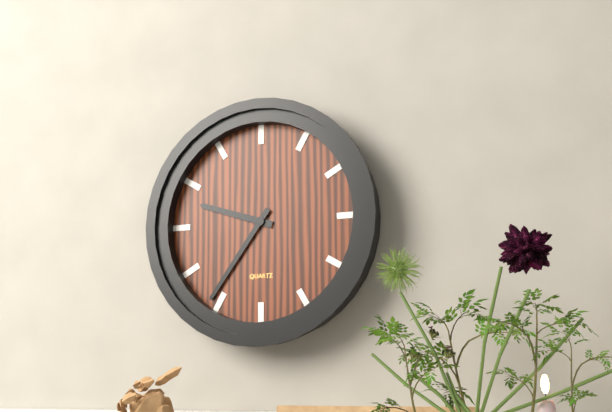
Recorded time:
h=9 m=36
